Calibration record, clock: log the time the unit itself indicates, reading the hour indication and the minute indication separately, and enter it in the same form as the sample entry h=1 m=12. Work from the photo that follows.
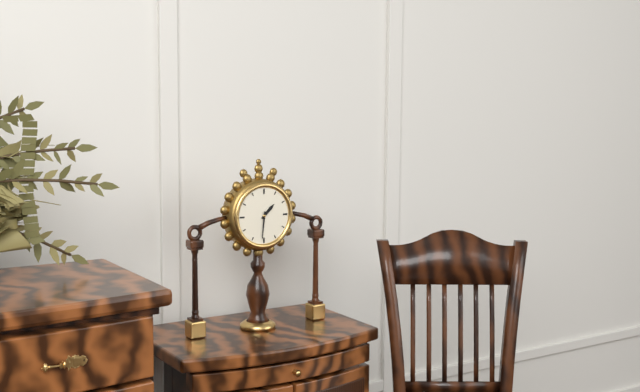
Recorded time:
h=1 m=31
